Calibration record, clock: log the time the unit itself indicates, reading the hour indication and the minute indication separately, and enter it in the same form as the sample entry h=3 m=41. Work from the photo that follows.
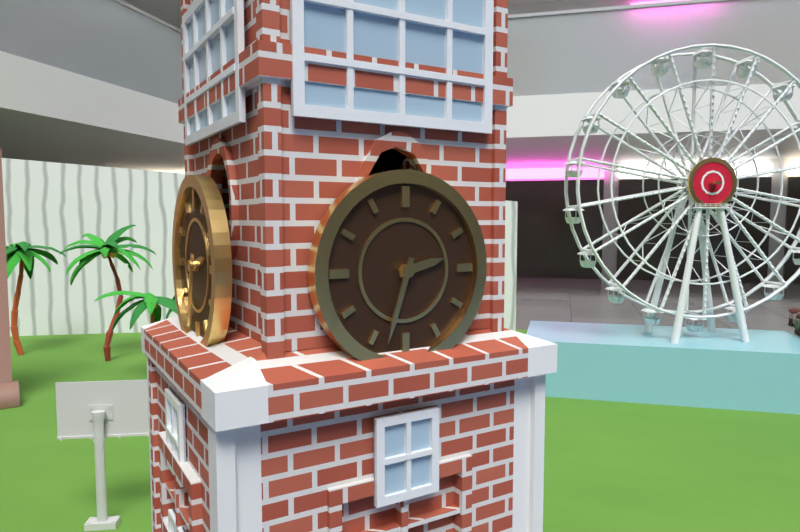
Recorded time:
h=2 m=33
